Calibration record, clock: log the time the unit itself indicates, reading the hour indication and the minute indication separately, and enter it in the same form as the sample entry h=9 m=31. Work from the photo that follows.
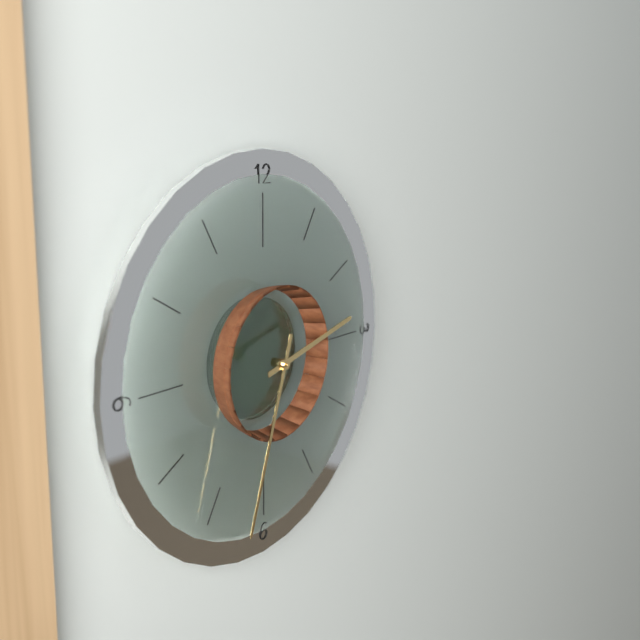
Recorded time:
h=2 m=33
